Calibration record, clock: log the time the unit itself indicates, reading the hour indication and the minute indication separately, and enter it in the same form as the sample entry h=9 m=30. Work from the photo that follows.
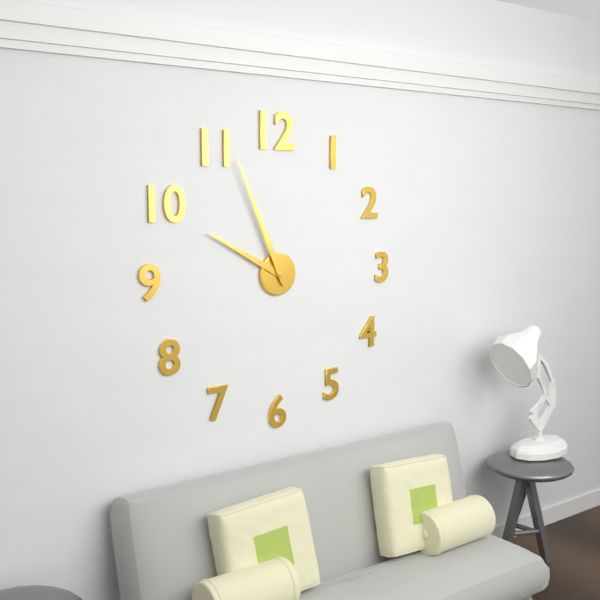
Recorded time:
h=9 m=56
